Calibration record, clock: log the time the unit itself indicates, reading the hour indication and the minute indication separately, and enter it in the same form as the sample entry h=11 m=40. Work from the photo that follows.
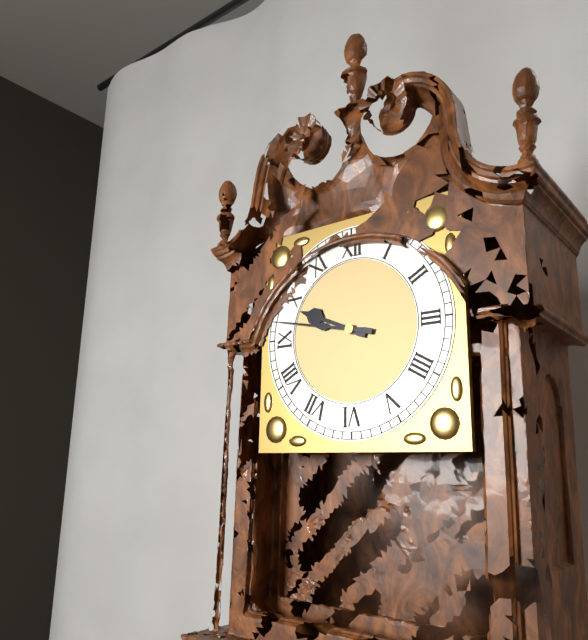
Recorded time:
h=9 m=47
